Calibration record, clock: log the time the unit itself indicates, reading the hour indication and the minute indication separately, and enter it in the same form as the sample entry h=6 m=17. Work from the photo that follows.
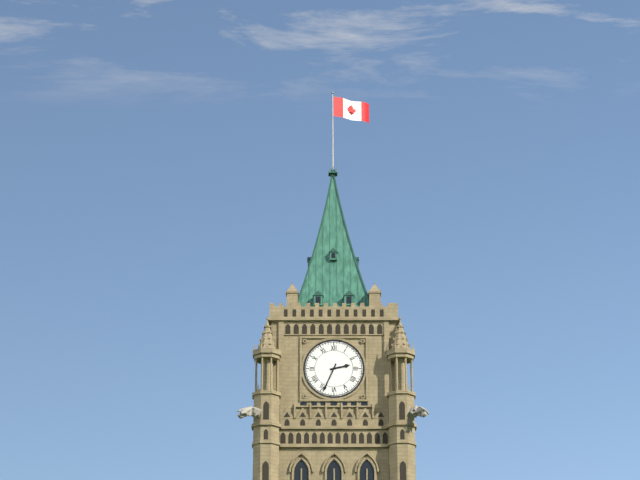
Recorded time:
h=2 m=34
